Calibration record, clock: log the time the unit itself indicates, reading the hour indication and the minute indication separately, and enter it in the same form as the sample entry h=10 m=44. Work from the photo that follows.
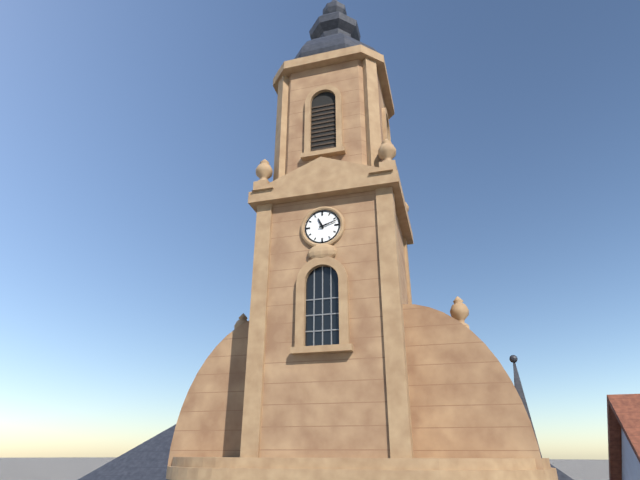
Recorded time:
h=11 m=12
